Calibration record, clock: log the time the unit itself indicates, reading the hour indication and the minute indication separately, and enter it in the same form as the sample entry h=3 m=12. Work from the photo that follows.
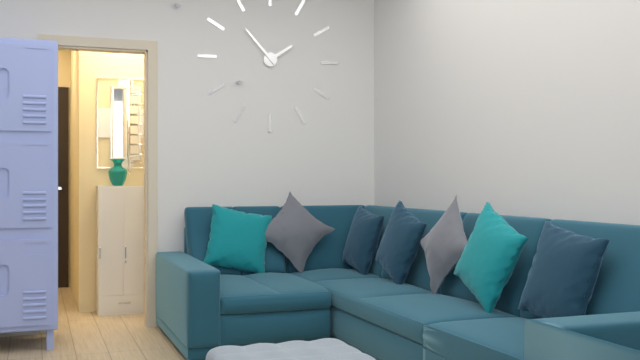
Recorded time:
h=1 m=53
